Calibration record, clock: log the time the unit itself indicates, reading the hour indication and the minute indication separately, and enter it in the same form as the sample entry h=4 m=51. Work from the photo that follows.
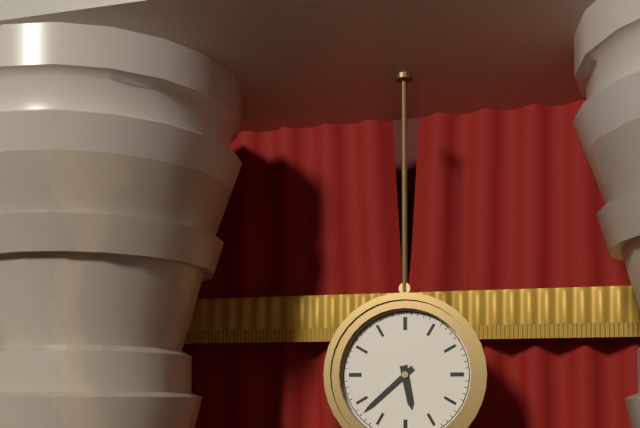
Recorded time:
h=5 m=38
